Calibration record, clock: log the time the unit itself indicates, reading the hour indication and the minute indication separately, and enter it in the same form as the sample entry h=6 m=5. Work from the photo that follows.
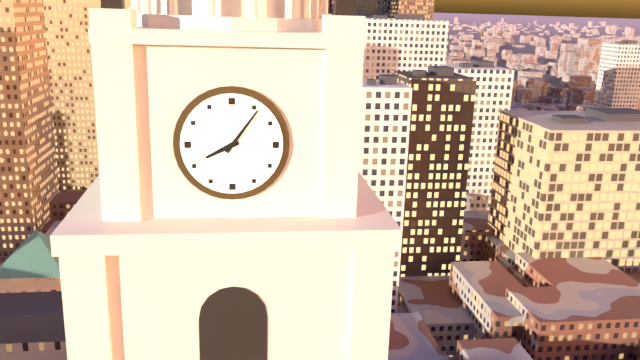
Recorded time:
h=8 m=6
